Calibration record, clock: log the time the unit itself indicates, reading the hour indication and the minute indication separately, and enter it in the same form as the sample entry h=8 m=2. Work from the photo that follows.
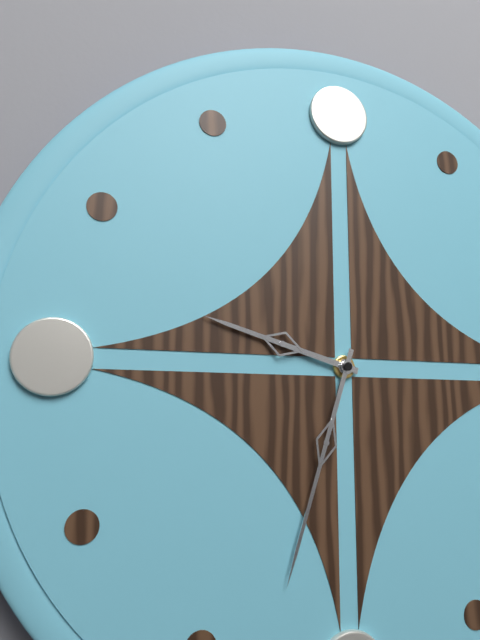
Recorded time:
h=9 m=33
